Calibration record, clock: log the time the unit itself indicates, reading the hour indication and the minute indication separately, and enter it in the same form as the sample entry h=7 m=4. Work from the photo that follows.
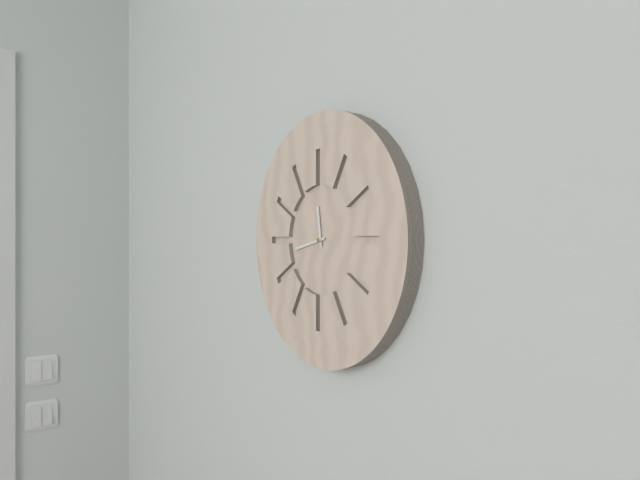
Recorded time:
h=11 m=43
